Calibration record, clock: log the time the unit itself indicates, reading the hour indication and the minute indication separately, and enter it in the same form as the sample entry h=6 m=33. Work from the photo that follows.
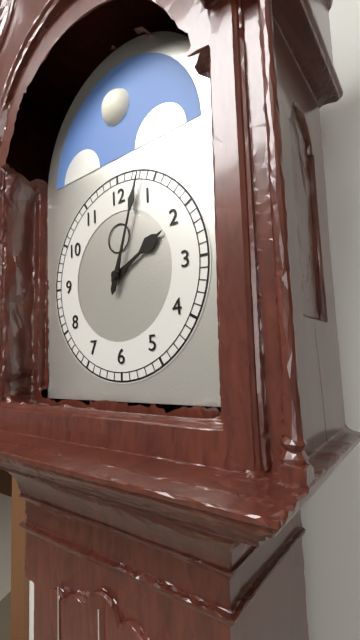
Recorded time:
h=2 m=3
